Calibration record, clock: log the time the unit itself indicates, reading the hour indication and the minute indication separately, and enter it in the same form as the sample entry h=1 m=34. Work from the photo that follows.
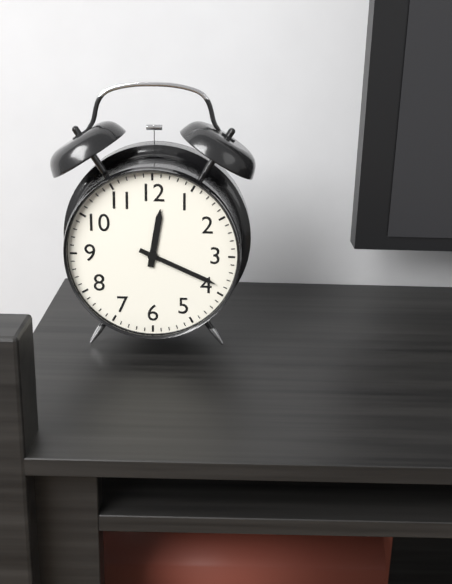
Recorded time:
h=12 m=19
